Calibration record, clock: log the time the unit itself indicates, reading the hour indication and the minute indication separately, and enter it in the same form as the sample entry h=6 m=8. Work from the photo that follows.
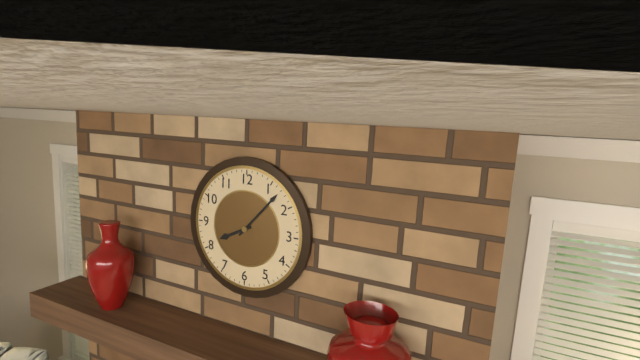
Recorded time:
h=8 m=7
